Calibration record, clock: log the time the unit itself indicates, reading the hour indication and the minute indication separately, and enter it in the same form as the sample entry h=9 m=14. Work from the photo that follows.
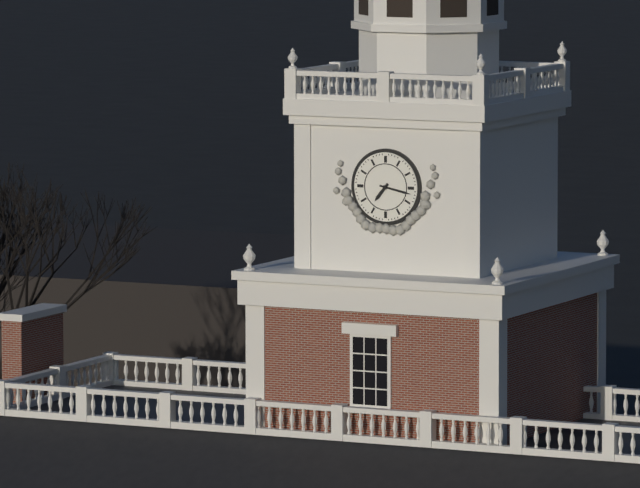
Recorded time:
h=7 m=17
